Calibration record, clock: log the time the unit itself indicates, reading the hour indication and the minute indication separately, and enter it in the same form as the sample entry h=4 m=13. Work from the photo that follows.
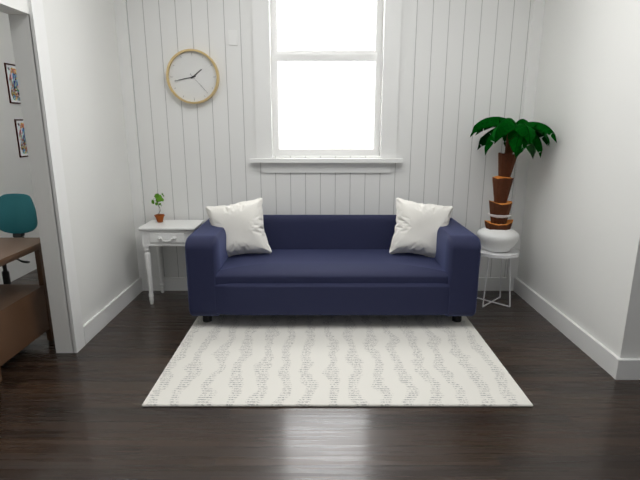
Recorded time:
h=1 m=43
